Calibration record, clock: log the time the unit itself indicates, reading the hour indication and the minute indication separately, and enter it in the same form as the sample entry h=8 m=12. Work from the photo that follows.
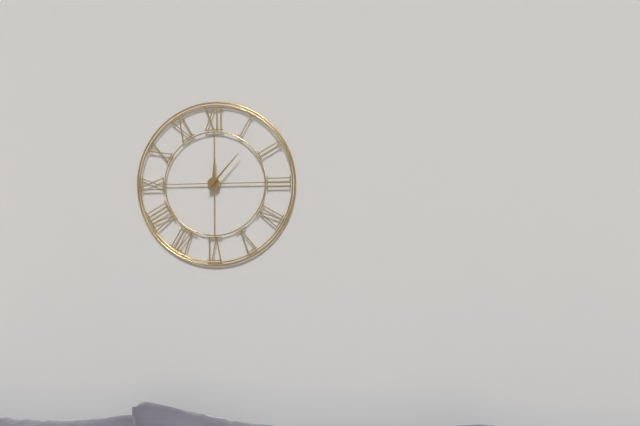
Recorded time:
h=12 m=7
